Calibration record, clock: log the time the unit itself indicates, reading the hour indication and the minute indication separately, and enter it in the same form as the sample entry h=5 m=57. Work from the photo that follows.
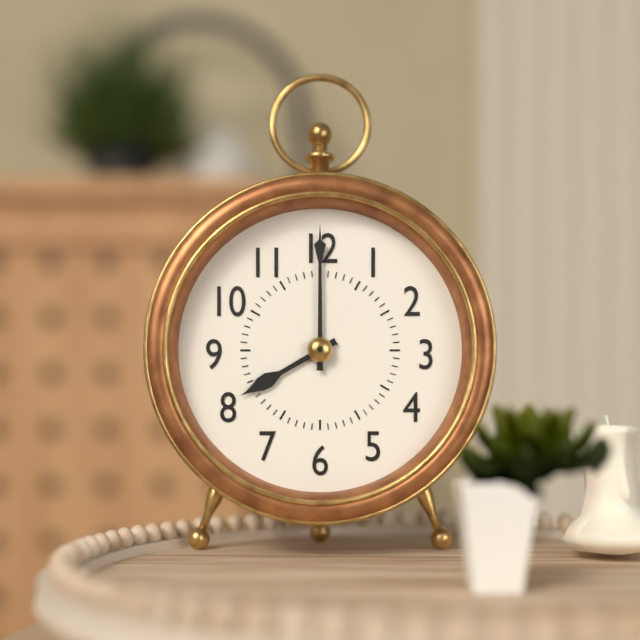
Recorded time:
h=8 m=0
